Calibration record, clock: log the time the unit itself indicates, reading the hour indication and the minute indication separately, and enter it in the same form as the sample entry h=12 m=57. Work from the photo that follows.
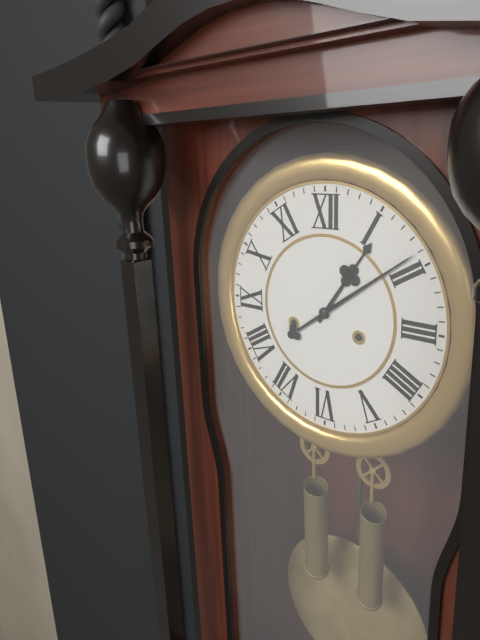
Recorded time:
h=1 m=9
